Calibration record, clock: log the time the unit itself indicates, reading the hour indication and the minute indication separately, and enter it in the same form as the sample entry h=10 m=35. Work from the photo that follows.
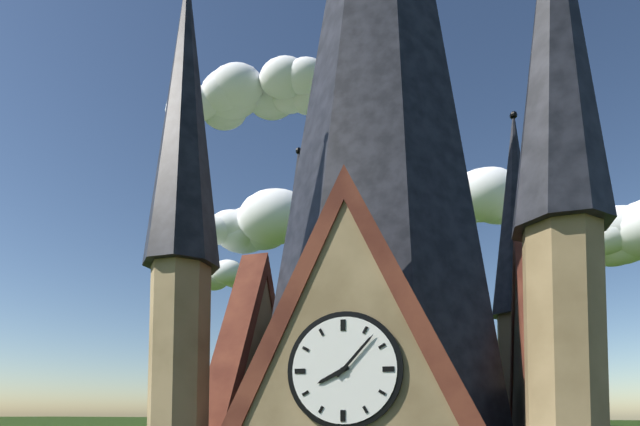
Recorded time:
h=8 m=7
